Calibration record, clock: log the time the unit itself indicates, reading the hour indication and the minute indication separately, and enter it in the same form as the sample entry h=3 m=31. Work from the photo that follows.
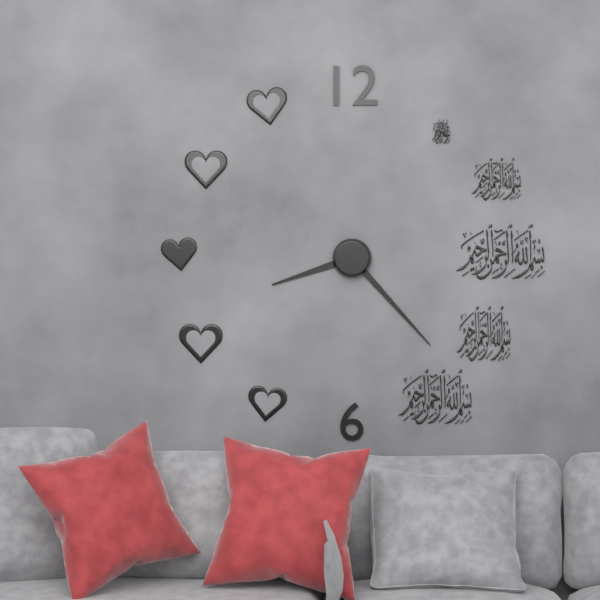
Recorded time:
h=8 m=23
